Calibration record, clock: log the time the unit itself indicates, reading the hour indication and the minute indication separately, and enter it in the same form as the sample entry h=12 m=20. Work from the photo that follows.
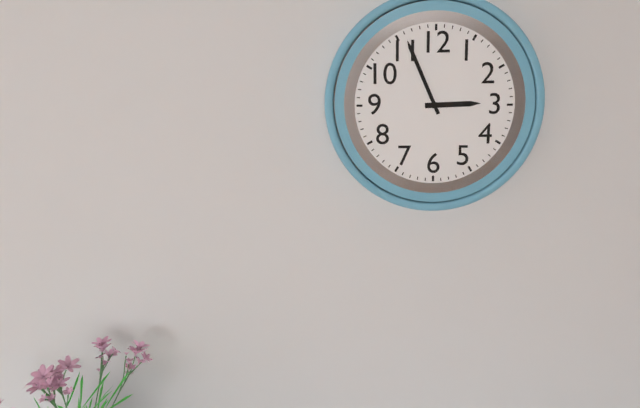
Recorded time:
h=2 m=56
